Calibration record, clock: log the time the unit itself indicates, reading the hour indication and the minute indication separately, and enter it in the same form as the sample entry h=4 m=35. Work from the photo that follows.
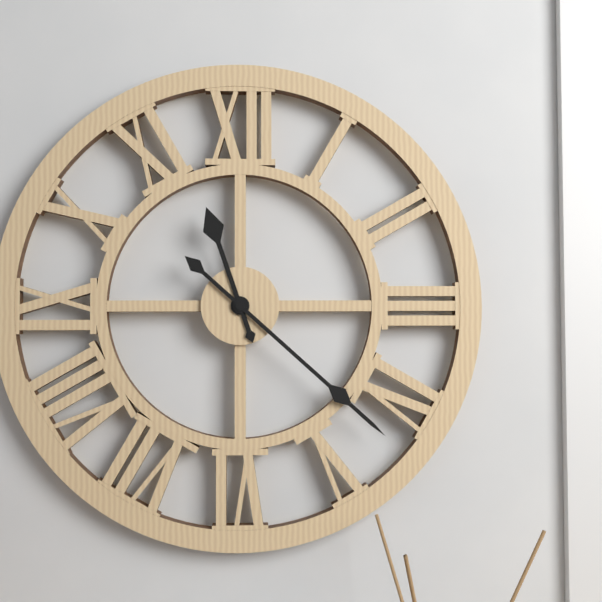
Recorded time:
h=11 m=22
